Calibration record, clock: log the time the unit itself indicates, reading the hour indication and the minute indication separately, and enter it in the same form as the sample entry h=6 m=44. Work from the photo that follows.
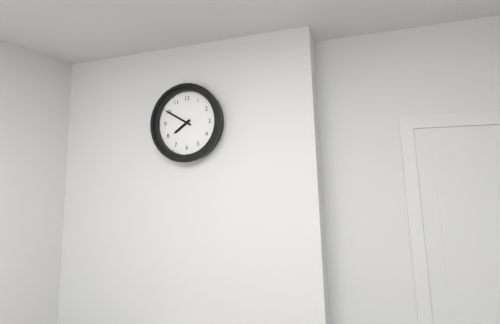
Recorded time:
h=7 m=50
